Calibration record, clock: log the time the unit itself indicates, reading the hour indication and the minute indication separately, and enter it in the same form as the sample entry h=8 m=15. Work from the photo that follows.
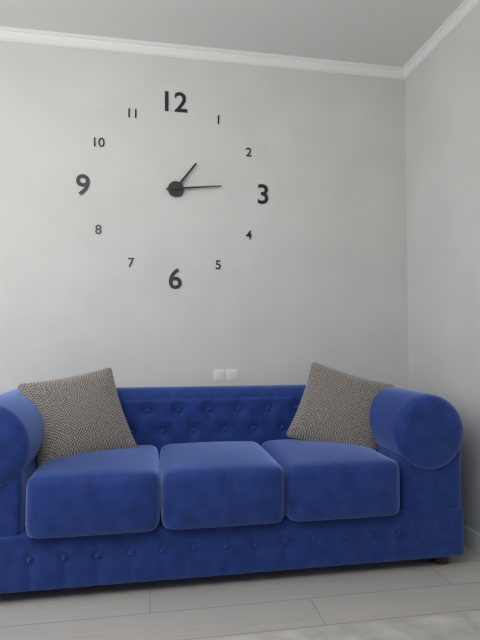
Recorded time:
h=1 m=14
